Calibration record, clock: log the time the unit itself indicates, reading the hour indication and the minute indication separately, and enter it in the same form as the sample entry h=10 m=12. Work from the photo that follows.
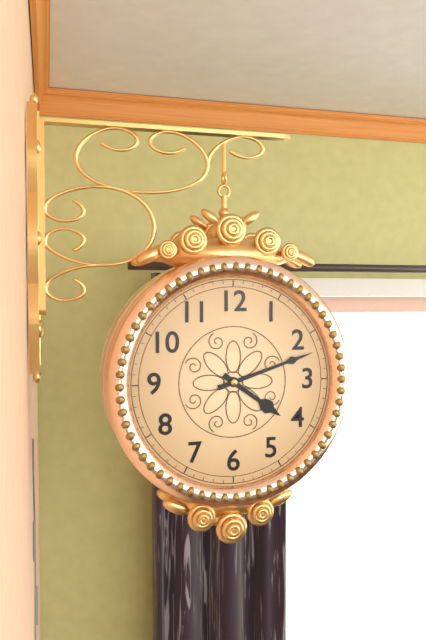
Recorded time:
h=4 m=12
